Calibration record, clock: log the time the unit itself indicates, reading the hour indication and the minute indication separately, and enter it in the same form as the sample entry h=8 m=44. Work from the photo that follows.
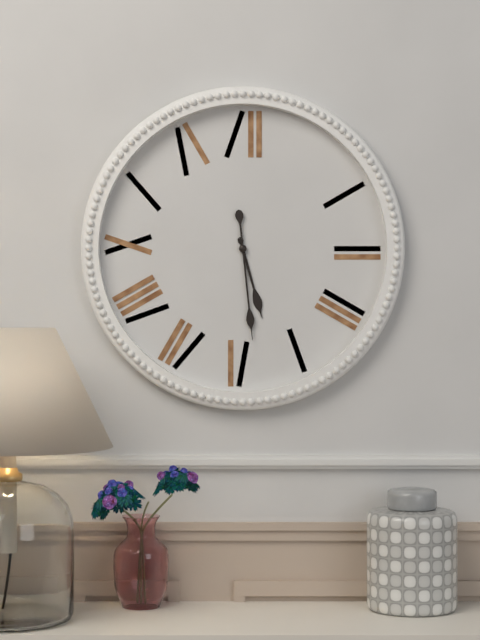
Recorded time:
h=5 m=29
